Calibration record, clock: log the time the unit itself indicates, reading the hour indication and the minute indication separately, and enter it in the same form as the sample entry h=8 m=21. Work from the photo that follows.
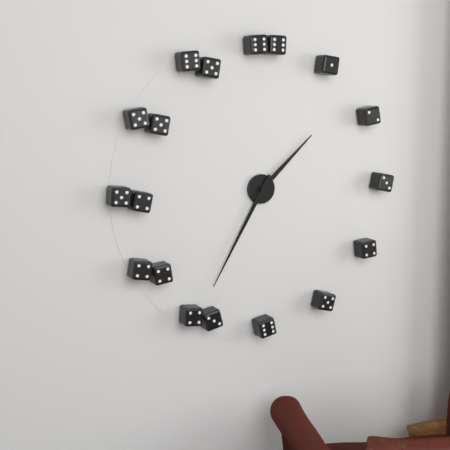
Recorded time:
h=1 m=35
